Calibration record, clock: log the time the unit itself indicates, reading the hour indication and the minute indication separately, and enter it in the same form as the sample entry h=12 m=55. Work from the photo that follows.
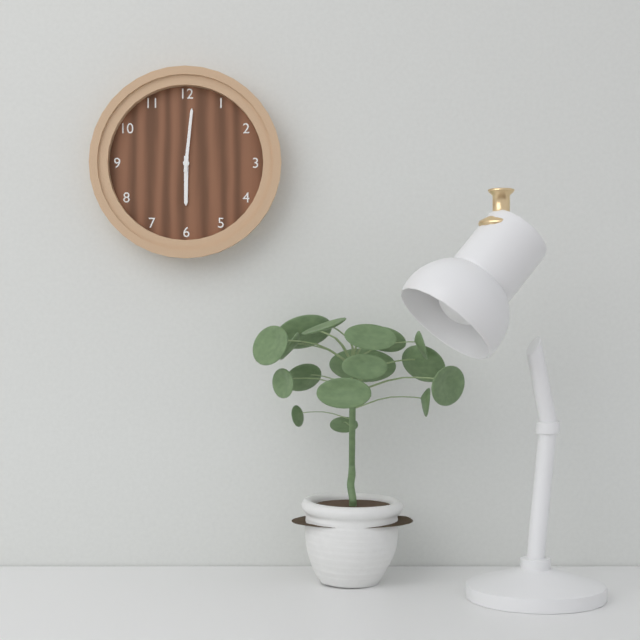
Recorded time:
h=6 m=1
